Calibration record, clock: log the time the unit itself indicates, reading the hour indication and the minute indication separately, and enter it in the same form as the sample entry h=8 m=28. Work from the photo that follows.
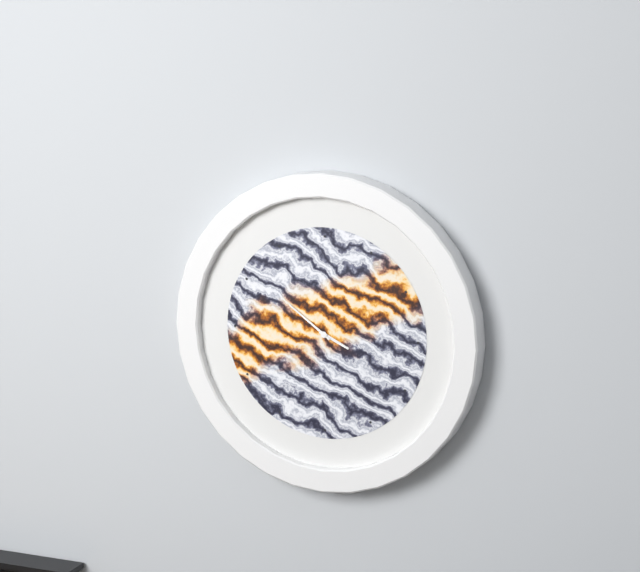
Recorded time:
h=3 m=51
